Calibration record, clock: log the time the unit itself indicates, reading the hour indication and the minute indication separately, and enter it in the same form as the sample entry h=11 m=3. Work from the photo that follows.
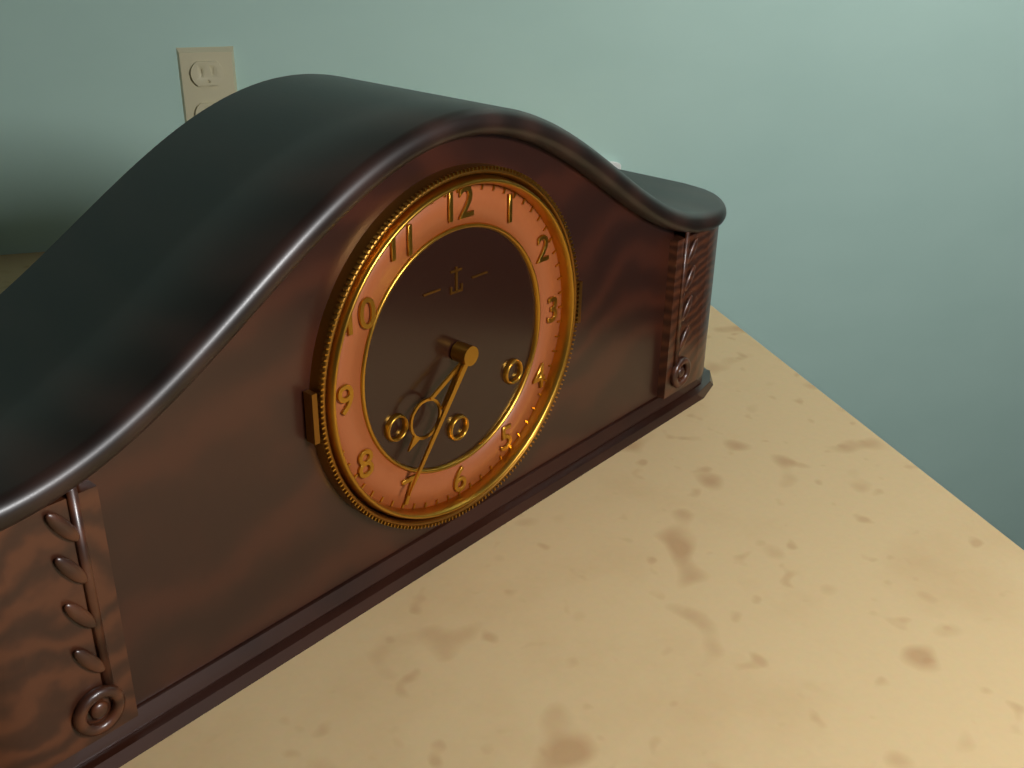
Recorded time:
h=7 m=36
